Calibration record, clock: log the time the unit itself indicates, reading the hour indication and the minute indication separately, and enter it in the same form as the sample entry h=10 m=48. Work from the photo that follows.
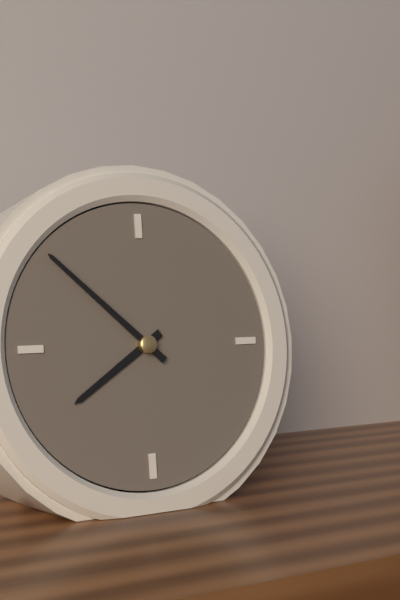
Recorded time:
h=7 m=52
